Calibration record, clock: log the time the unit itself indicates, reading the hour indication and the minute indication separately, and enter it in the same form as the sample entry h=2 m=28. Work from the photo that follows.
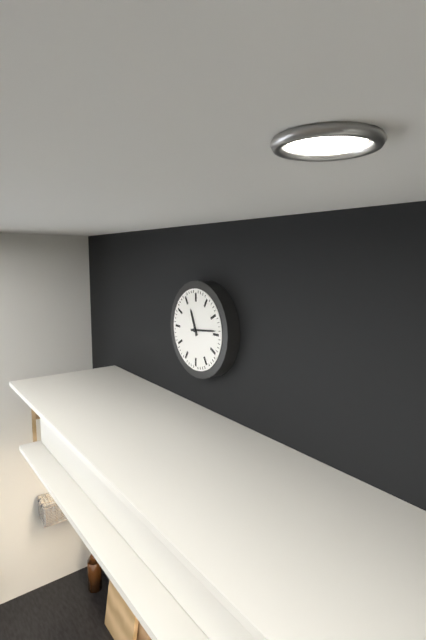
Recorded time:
h=11 m=14
